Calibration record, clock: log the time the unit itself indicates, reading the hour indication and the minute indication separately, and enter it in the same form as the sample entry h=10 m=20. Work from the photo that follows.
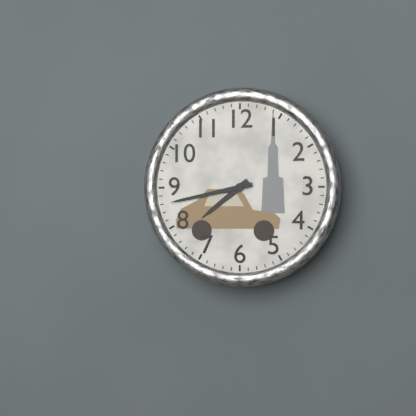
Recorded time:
h=7 m=43
